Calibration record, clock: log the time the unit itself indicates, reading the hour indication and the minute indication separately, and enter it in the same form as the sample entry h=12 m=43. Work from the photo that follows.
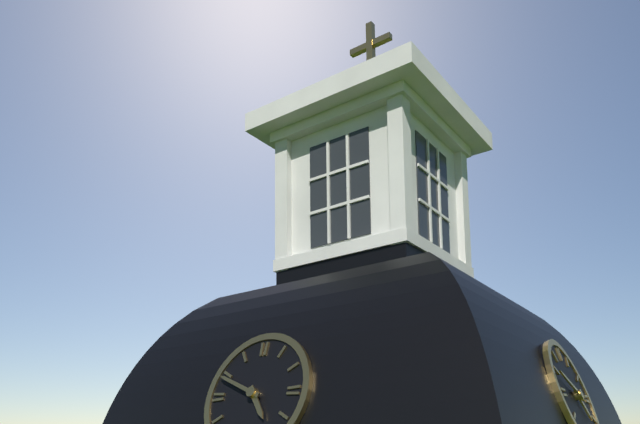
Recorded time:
h=4 m=49
